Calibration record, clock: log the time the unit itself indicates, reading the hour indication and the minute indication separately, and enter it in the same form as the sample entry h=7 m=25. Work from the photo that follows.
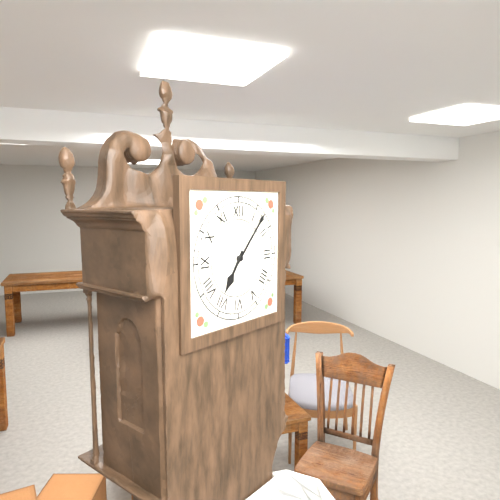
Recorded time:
h=7 m=7
